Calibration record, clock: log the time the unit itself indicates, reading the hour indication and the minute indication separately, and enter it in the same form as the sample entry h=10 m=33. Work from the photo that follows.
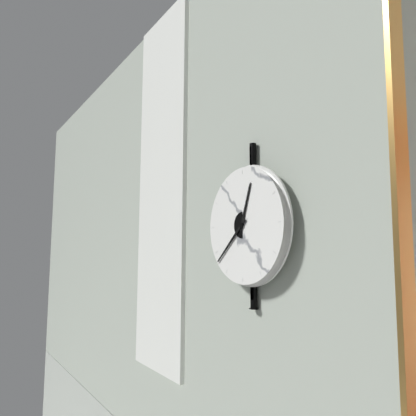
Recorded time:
h=12 m=38
